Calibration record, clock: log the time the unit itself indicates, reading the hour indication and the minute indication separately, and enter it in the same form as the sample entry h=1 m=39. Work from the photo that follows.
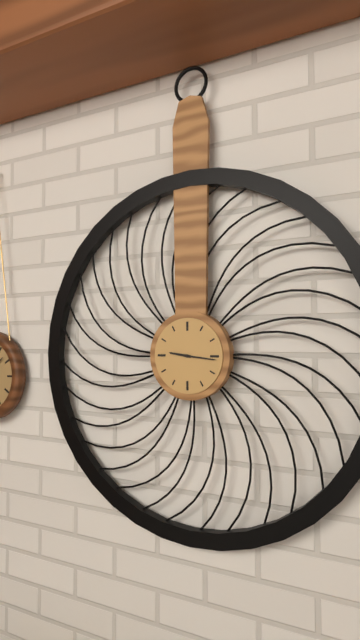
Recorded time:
h=9 m=16
